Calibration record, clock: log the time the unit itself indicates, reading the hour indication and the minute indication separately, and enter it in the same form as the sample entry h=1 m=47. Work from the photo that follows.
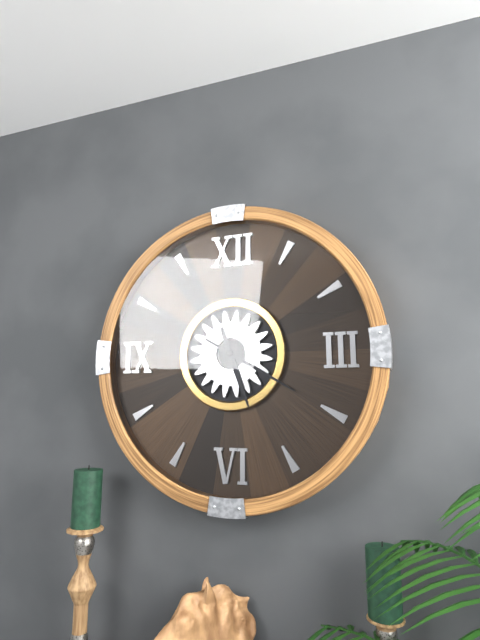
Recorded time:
h=5 m=20
